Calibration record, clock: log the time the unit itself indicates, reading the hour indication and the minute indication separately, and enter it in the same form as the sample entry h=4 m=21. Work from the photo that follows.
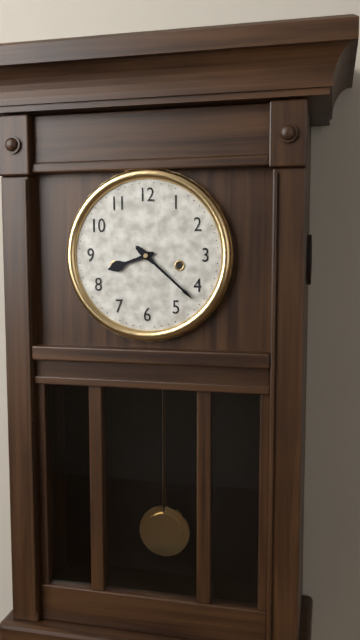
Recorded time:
h=8 m=22
